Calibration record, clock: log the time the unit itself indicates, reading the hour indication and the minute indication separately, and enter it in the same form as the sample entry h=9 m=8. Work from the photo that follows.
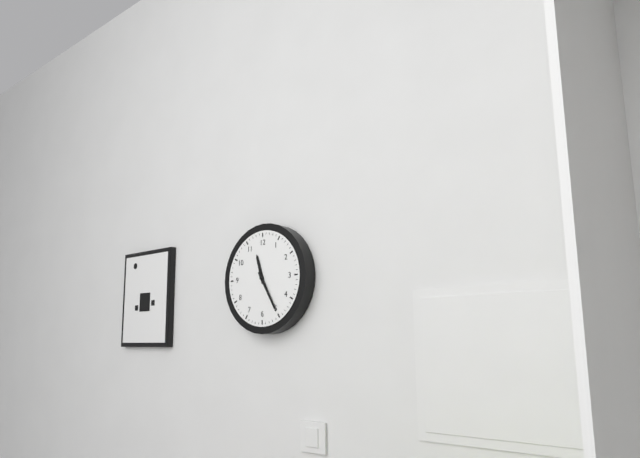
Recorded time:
h=11 m=25
